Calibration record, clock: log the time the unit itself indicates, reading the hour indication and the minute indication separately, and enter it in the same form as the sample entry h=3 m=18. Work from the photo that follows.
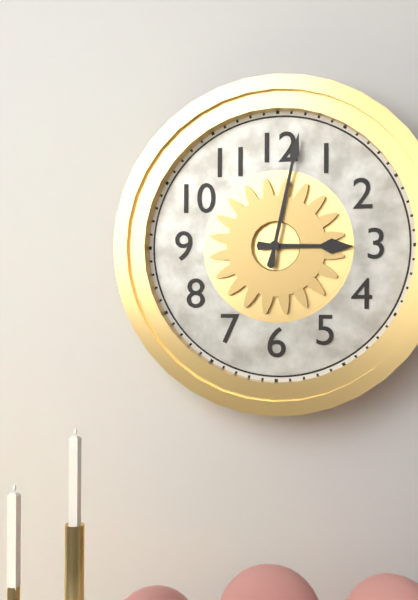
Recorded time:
h=3 m=2
